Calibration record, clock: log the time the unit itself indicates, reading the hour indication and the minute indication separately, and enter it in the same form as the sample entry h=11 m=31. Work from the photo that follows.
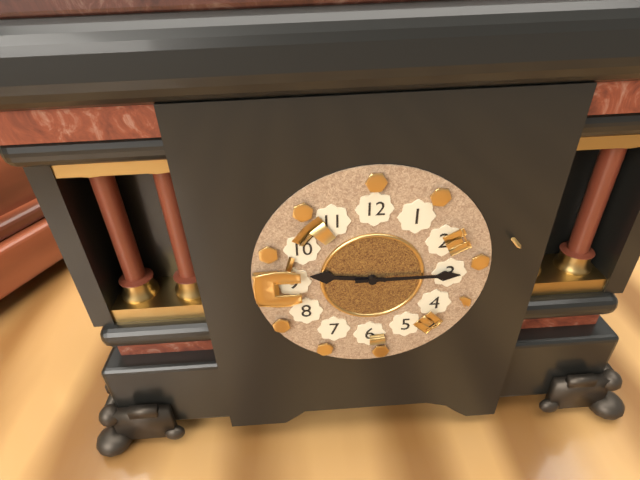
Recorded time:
h=9 m=15
